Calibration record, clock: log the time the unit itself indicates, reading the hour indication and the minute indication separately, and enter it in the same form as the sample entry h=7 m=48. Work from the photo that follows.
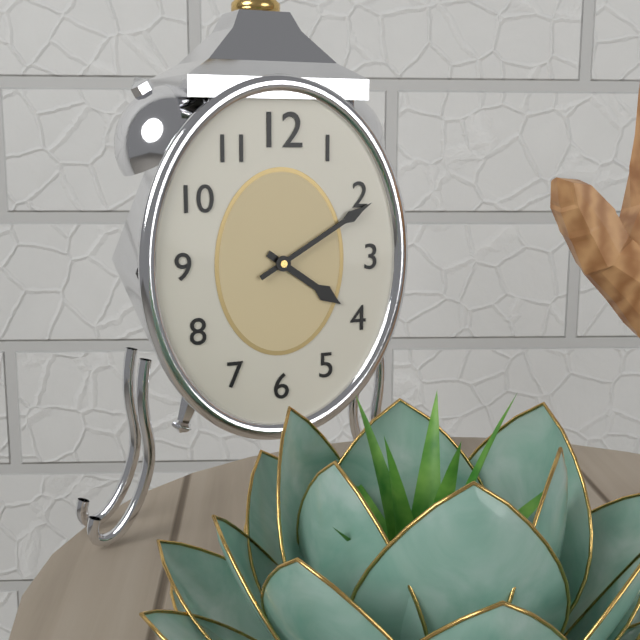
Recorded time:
h=4 m=10
